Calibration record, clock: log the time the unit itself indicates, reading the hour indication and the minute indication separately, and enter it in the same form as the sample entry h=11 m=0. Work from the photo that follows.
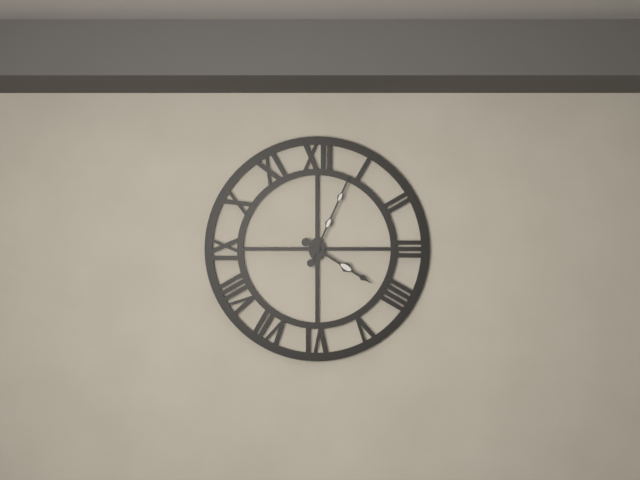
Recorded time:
h=4 m=4
